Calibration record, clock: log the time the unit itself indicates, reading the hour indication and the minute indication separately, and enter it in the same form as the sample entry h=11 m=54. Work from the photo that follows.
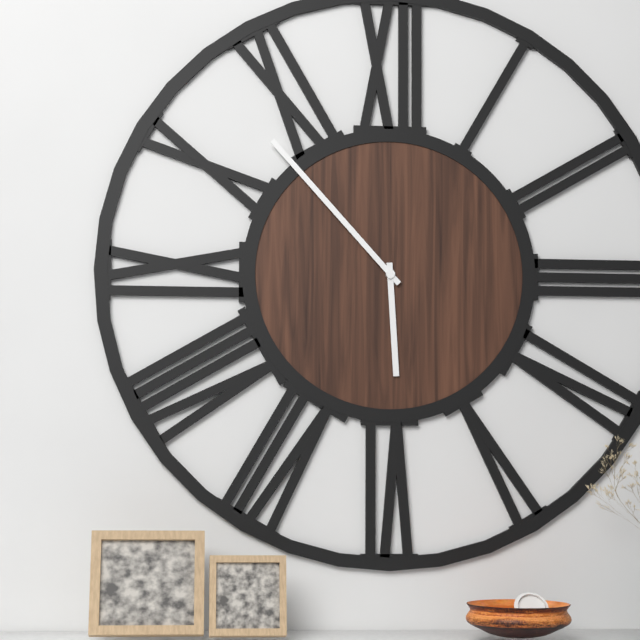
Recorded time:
h=5 m=53
